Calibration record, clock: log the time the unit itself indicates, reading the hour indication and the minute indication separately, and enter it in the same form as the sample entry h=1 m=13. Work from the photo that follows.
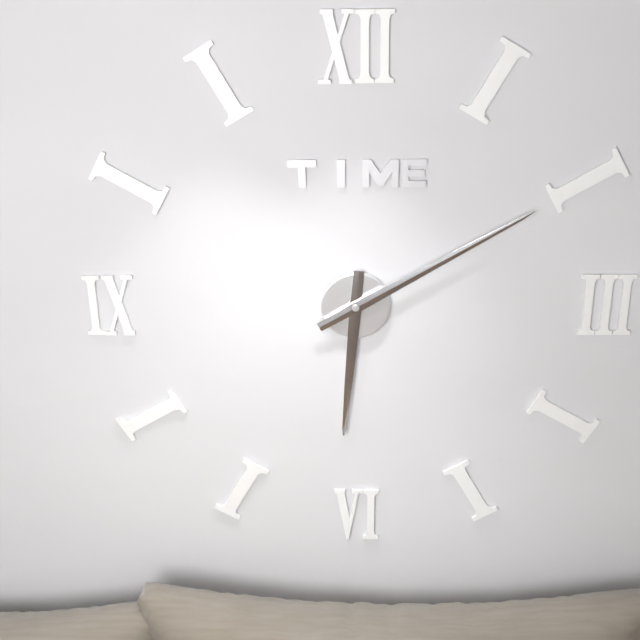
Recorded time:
h=6 m=10
